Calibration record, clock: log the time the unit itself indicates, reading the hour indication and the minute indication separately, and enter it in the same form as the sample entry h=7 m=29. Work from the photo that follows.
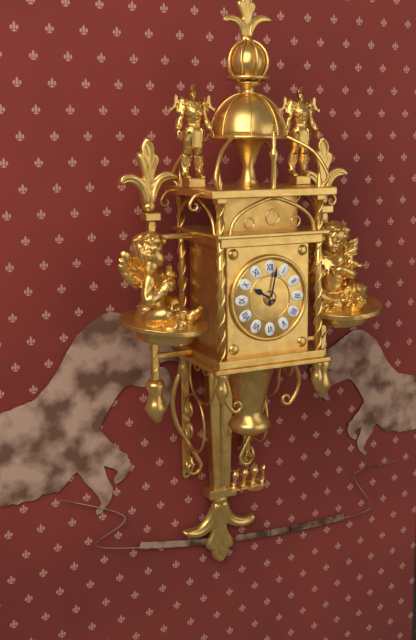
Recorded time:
h=10 m=2
